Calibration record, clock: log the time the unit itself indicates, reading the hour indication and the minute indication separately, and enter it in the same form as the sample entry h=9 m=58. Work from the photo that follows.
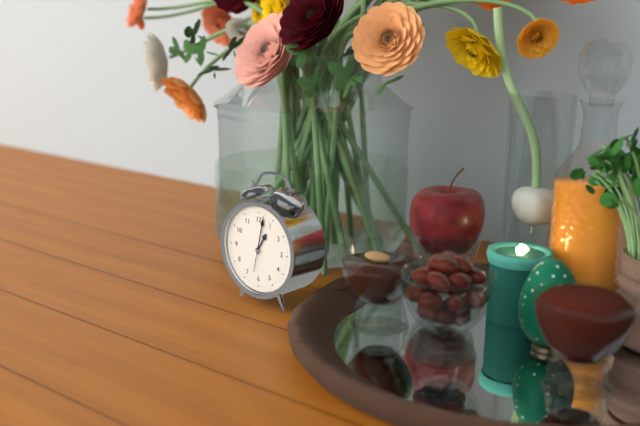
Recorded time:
h=1 m=2
